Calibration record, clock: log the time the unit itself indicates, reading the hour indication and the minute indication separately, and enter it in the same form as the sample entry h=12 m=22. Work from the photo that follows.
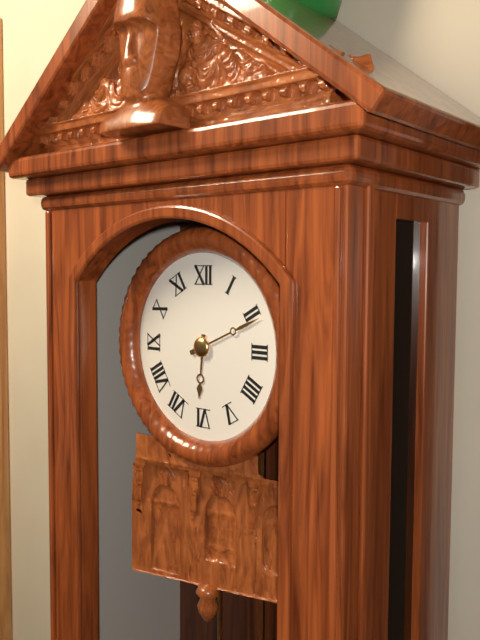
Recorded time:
h=6 m=11
